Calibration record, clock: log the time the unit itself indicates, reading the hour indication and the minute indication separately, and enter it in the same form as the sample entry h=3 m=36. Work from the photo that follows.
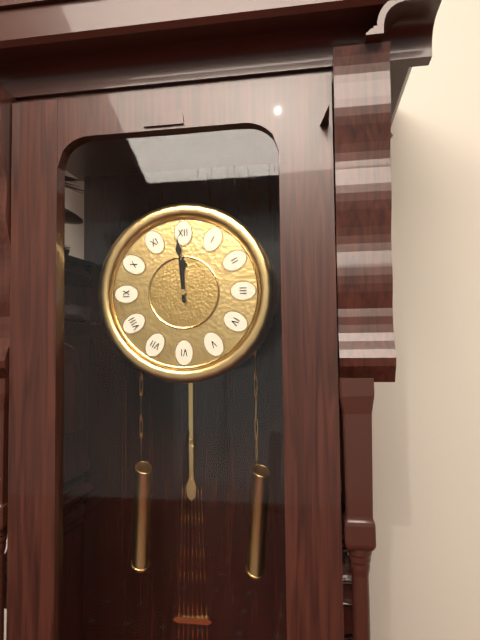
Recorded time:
h=11 m=59
